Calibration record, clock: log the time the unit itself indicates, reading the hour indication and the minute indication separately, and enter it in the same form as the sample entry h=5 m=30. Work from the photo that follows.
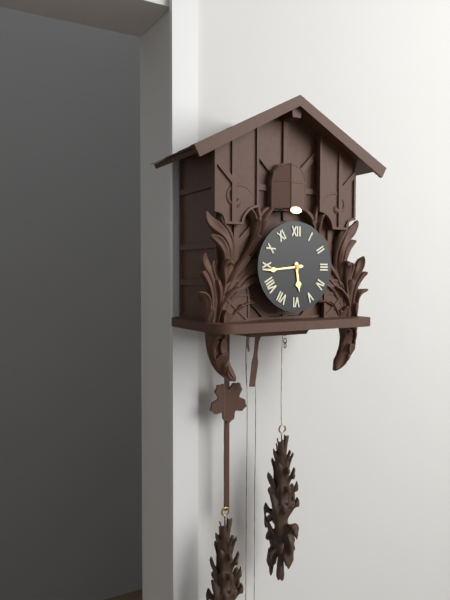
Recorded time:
h=5 m=44
